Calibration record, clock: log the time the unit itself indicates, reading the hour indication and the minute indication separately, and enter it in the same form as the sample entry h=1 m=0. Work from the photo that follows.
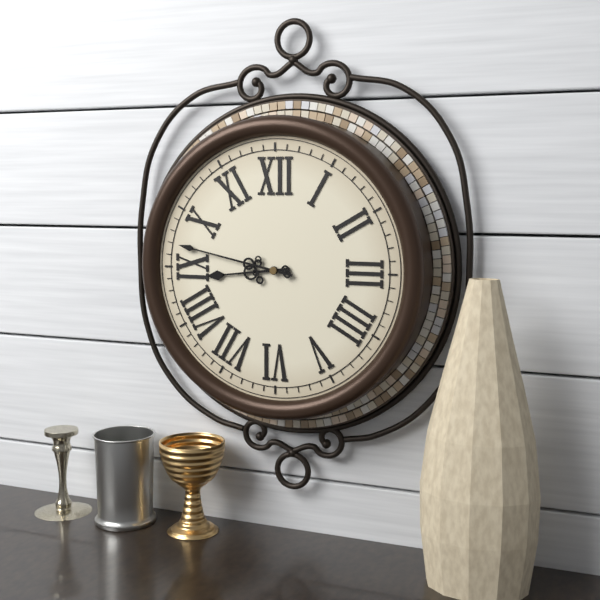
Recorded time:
h=8 m=47
